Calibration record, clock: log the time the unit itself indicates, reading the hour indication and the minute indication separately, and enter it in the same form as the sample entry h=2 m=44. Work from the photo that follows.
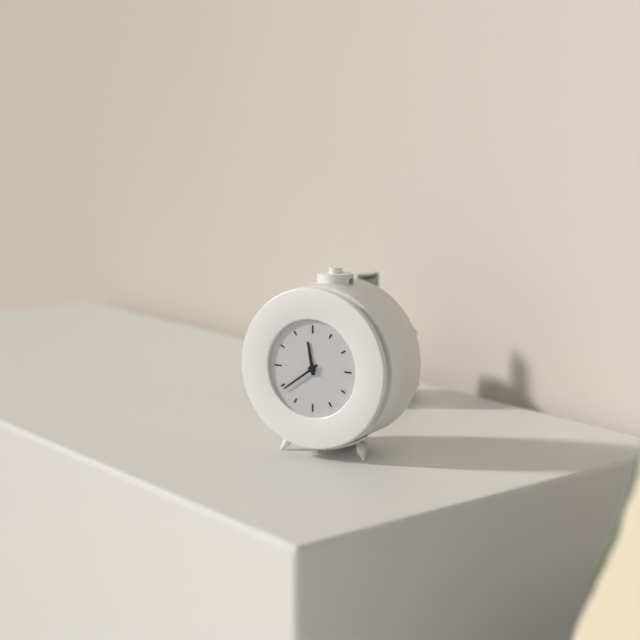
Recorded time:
h=11 m=39
